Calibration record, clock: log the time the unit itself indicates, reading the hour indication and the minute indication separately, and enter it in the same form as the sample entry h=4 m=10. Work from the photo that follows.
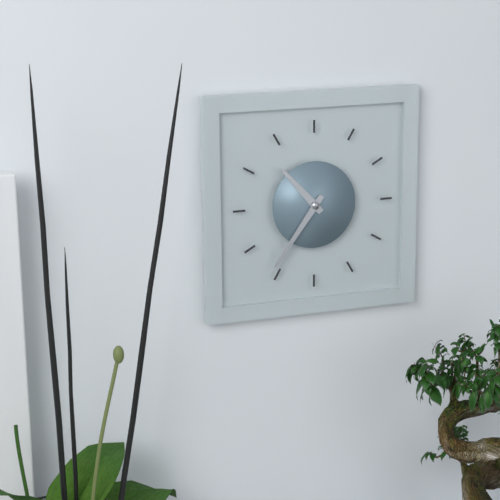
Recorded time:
h=10 m=36
